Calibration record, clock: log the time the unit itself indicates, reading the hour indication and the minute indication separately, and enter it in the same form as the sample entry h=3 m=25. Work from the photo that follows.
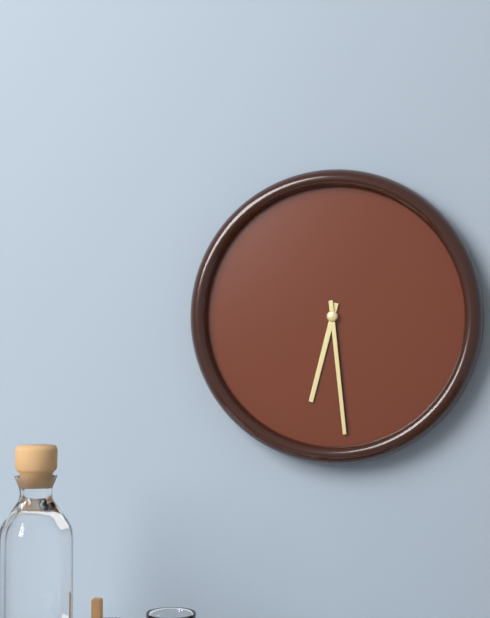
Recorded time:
h=6 m=29
